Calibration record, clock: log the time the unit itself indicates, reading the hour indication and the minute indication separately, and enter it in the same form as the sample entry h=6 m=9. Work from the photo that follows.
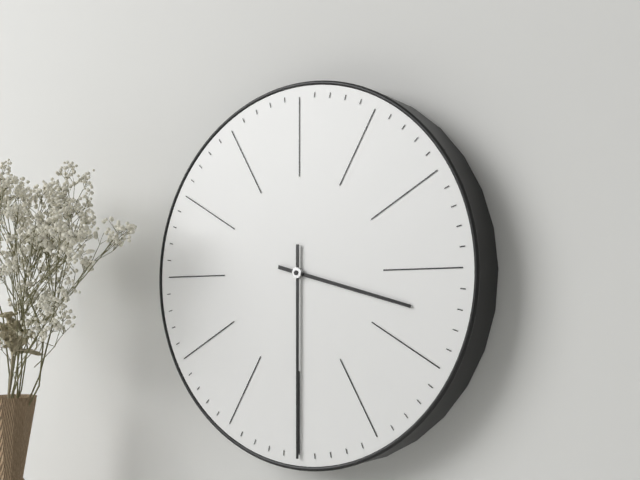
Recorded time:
h=3 m=30
